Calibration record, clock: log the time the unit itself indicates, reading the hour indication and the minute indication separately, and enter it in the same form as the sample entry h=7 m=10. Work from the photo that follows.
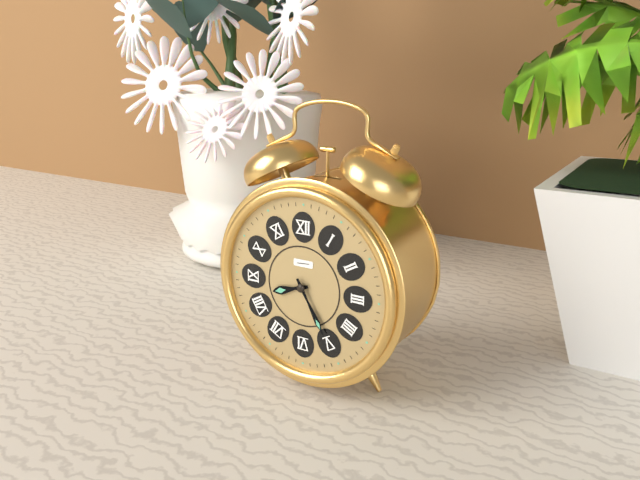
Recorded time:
h=8 m=25
